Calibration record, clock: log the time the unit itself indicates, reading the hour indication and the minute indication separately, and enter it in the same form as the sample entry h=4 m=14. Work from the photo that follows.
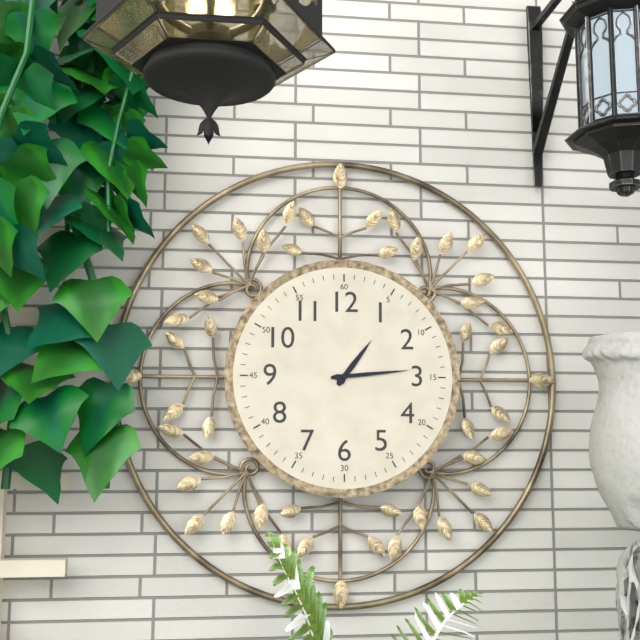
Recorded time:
h=1 m=14
